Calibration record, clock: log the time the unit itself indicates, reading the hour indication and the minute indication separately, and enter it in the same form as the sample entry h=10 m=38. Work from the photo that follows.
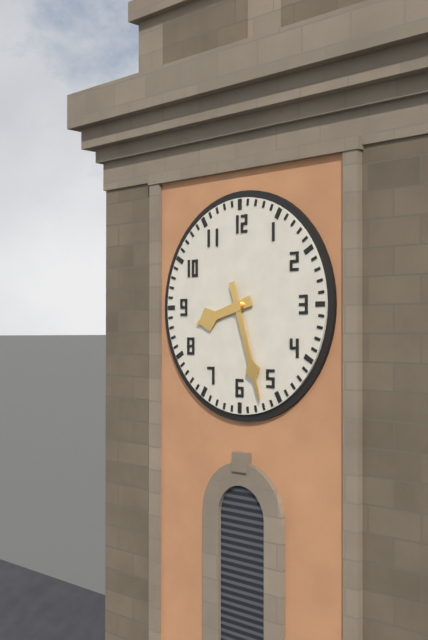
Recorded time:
h=8 m=27
